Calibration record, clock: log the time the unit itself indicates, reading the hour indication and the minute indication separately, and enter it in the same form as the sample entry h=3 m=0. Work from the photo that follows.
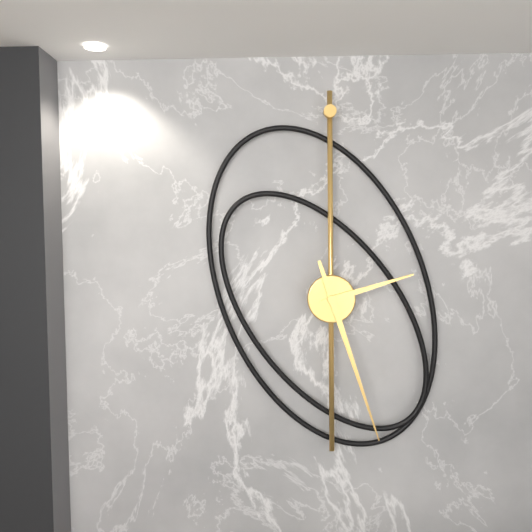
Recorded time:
h=2 m=27
